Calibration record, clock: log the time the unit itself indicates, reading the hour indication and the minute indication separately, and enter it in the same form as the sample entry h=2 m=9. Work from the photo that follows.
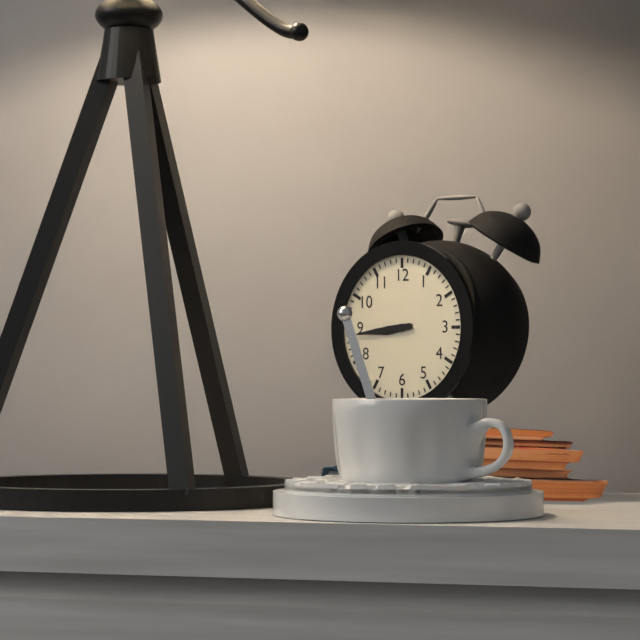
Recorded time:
h=8 m=44
